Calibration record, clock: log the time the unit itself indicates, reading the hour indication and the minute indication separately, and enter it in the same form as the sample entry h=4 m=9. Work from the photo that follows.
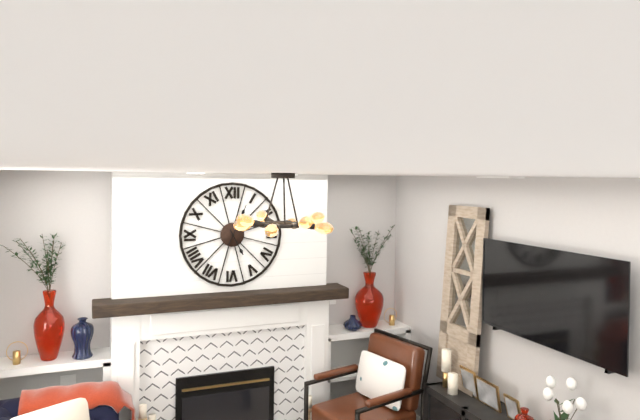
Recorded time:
h=5 m=4
